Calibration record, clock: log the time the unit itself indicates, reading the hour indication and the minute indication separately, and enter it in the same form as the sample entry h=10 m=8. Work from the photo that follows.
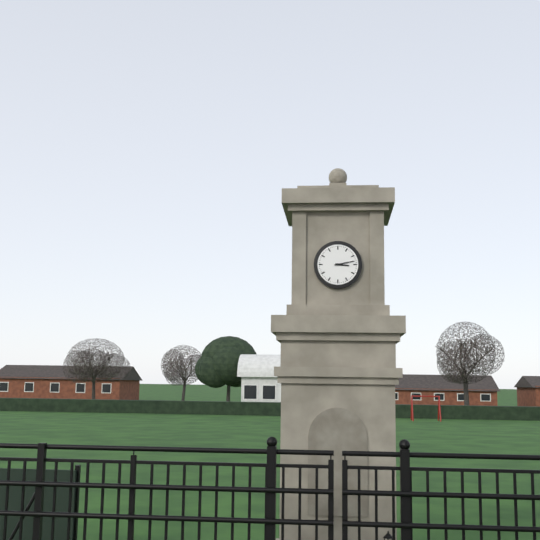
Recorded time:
h=3 m=13
